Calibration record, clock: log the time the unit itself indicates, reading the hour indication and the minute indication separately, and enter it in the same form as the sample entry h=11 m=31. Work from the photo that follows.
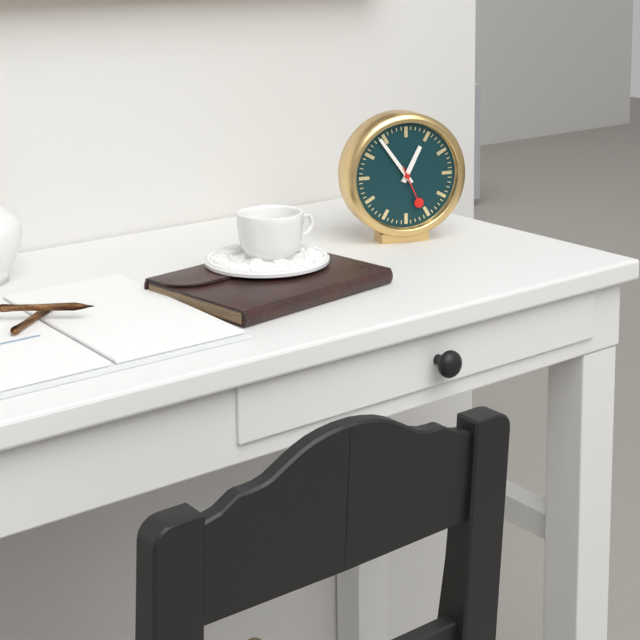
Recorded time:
h=12 m=54
